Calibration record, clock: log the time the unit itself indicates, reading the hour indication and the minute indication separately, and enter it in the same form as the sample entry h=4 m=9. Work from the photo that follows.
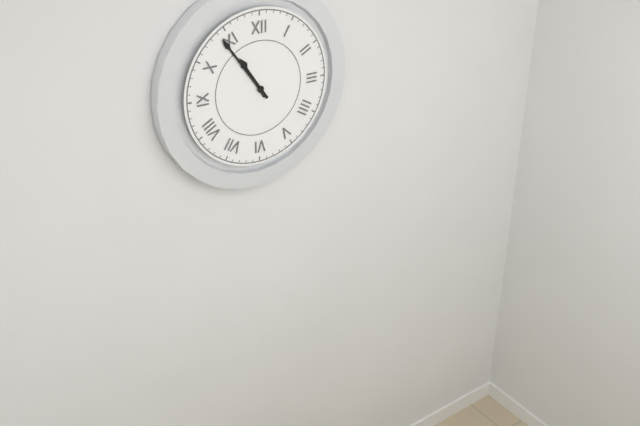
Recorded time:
h=10 m=54
